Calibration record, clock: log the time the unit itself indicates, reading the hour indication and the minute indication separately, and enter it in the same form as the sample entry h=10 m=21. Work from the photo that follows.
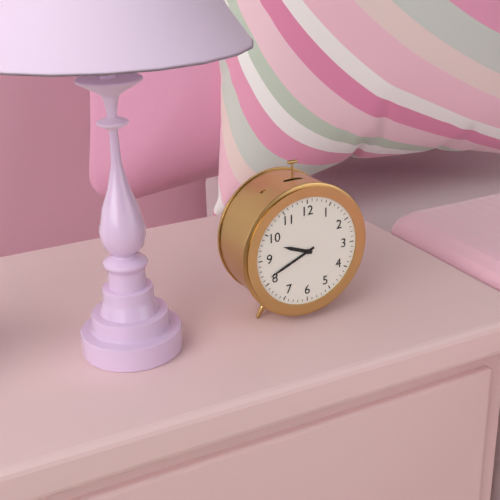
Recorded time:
h=9 m=41
